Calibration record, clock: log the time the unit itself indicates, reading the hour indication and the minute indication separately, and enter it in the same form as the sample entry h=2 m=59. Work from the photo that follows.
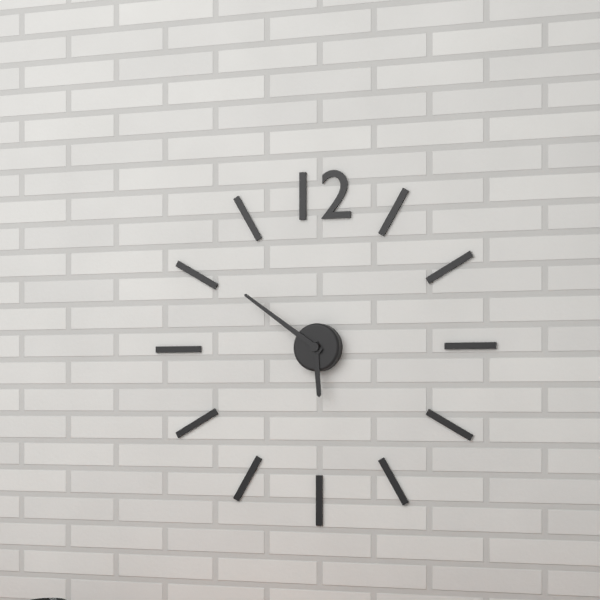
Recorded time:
h=5 m=51
